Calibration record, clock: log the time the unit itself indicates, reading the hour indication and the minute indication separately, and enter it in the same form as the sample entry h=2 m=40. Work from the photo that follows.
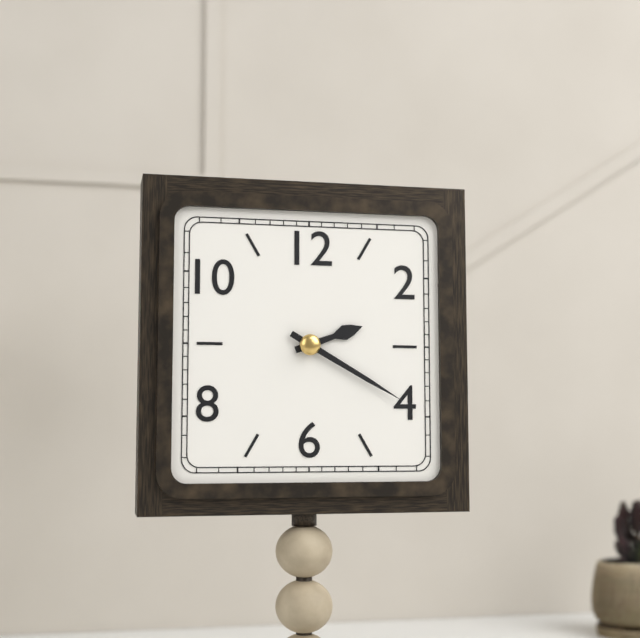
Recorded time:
h=2 m=20
